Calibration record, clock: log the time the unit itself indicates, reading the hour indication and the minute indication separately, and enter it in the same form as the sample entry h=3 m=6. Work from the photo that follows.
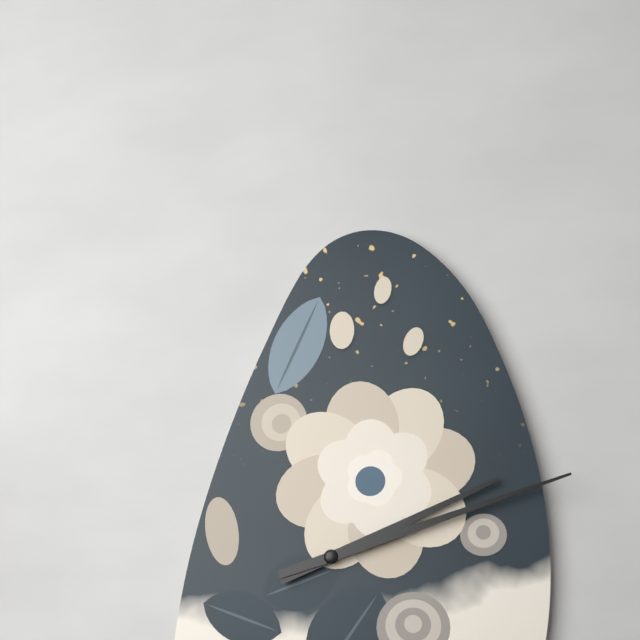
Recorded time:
h=2 m=12
